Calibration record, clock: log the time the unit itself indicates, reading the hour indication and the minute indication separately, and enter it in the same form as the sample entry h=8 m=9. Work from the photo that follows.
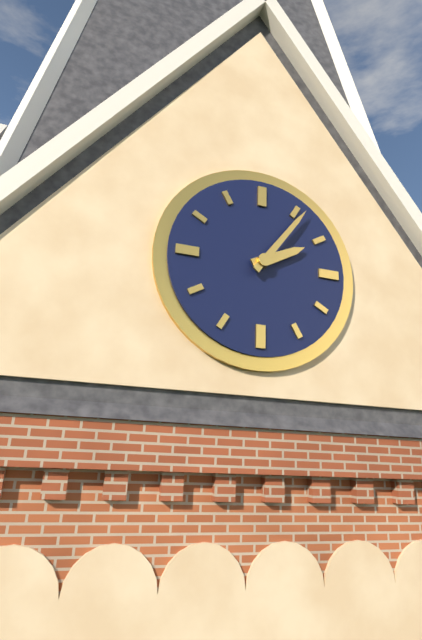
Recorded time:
h=2 m=6
